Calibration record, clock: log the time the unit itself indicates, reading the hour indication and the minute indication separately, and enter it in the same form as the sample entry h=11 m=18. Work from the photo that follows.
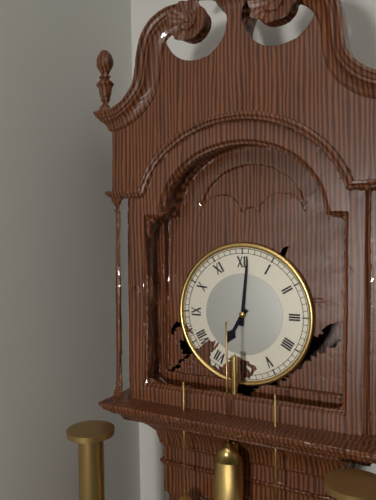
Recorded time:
h=7 m=1
